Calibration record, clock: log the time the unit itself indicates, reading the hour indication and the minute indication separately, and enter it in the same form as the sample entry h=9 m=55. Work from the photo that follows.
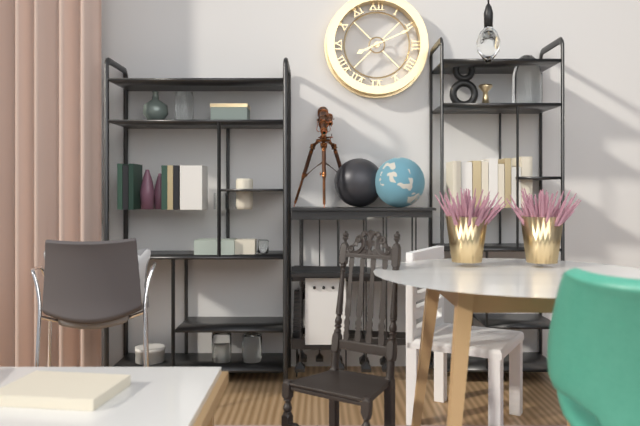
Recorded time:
h=8 m=11
